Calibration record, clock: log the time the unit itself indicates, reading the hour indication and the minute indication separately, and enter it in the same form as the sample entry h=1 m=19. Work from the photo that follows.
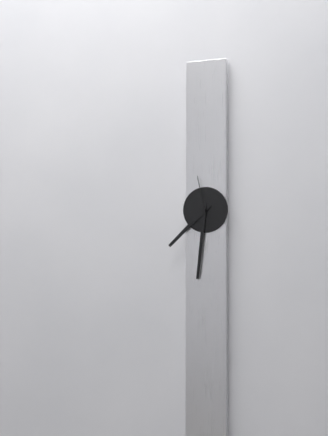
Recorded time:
h=7 m=31
